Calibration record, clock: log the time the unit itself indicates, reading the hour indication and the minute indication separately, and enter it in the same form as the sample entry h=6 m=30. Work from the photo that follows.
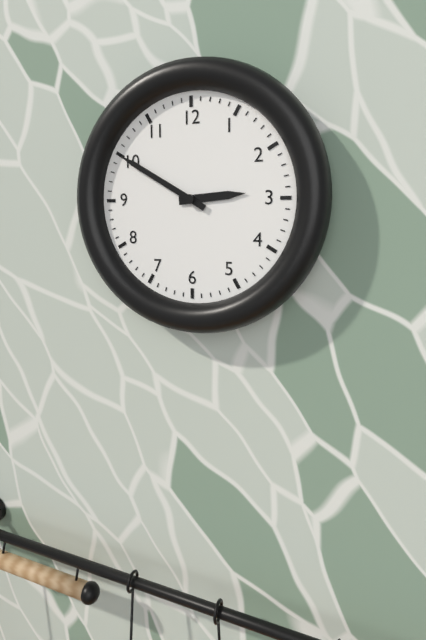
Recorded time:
h=2 m=50
